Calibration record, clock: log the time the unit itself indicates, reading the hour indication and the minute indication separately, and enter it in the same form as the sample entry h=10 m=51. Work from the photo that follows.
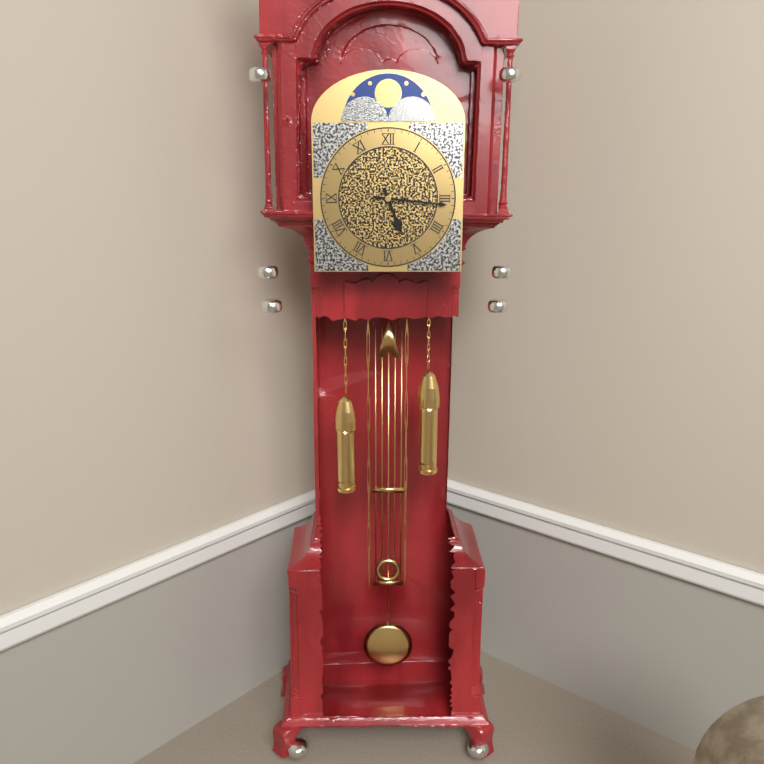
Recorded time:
h=5 m=16
